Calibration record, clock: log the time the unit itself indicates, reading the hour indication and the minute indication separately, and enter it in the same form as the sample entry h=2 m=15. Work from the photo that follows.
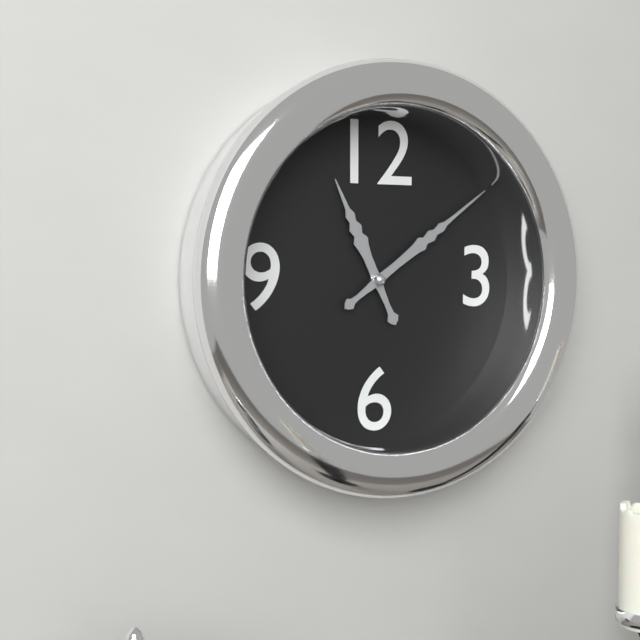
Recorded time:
h=11 m=9
